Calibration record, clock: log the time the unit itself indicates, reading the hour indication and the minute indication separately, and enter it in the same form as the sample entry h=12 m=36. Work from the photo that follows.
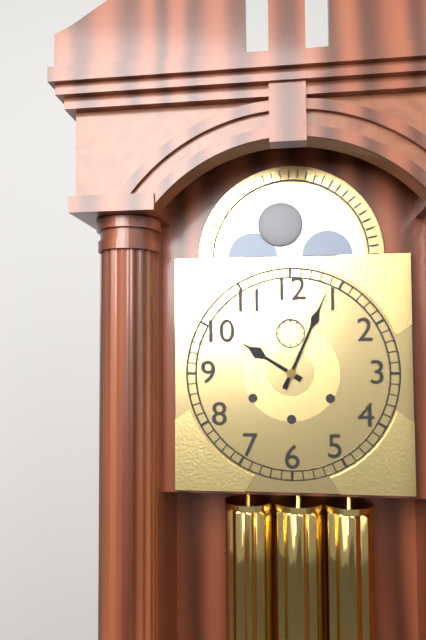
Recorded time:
h=10 m=4
